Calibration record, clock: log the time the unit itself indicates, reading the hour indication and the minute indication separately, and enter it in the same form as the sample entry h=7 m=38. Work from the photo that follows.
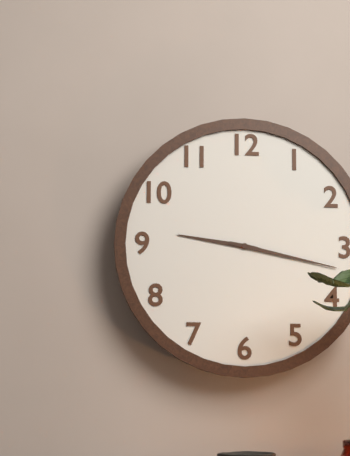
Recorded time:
h=9 m=17
